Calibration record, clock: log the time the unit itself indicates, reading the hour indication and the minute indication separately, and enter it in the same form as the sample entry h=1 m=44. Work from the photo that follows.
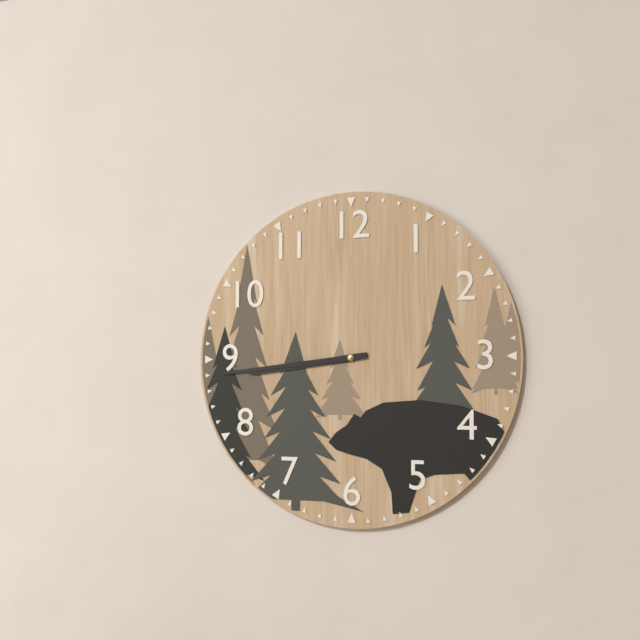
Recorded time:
h=8 m=44
